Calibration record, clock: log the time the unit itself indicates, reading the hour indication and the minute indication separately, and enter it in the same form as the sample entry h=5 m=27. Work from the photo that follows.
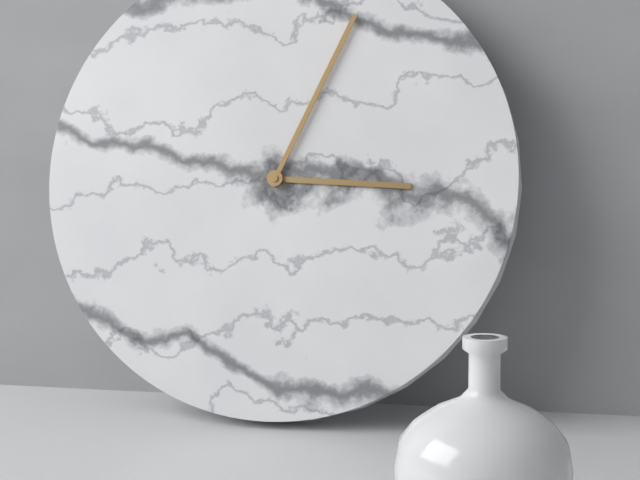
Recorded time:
h=3 m=4
